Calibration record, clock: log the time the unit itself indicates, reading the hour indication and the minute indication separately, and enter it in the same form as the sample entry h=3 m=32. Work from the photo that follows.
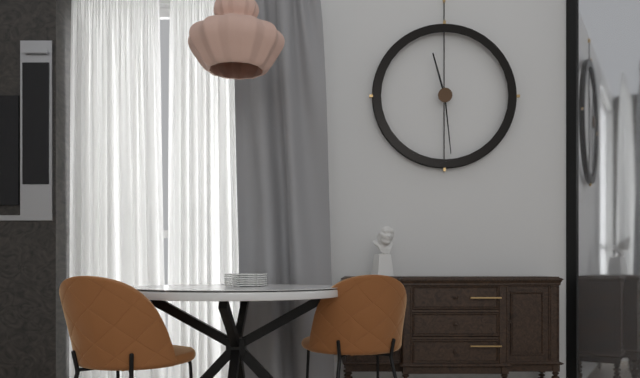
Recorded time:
h=11 m=29
